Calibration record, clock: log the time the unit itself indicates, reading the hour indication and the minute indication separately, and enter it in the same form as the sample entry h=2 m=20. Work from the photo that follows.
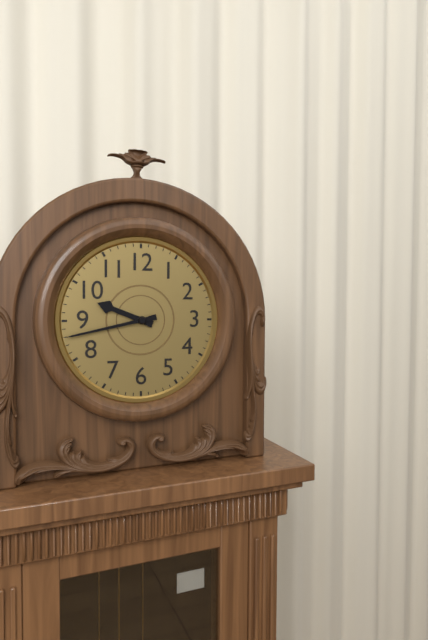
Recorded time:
h=9 m=43
